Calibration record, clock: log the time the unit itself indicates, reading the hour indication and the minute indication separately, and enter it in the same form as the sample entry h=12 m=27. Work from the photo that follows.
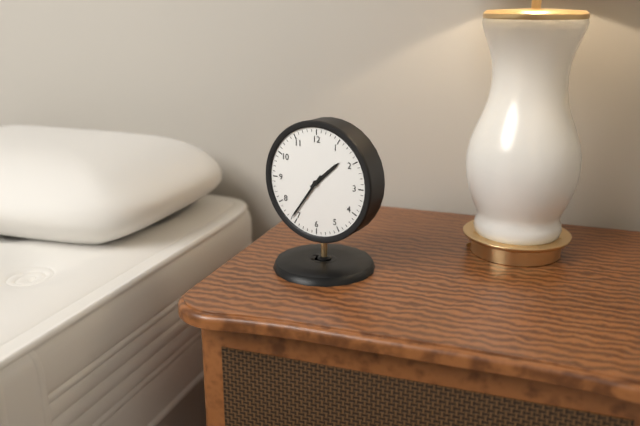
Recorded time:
h=1 m=36
